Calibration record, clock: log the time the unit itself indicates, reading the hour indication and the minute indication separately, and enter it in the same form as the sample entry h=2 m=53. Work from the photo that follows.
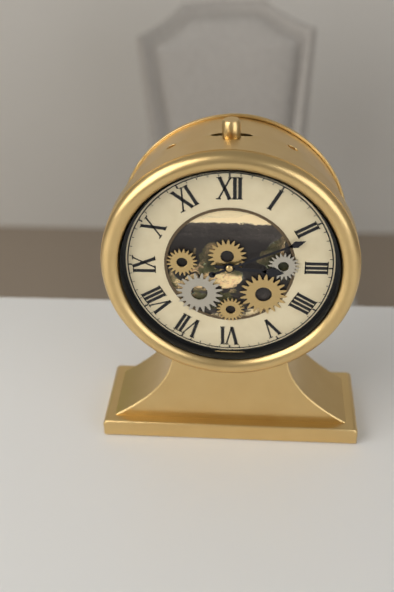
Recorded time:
h=3 m=11
